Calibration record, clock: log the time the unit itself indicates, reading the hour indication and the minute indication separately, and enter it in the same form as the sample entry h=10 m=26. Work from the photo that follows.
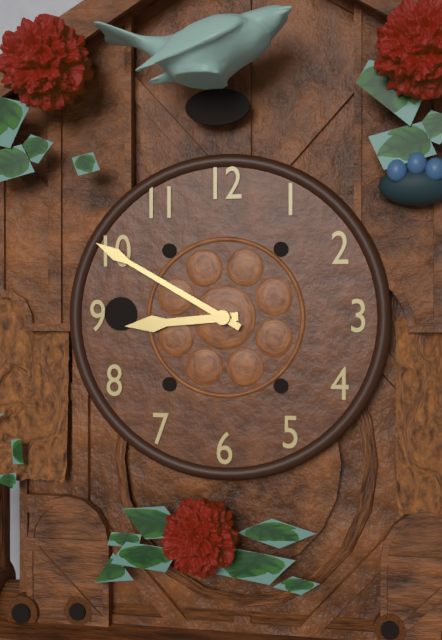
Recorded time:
h=8 m=50
